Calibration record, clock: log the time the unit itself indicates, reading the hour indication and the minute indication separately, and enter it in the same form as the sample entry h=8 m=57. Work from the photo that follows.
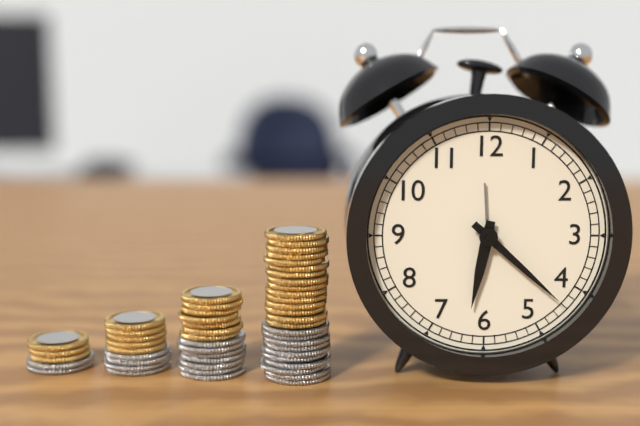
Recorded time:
h=6 m=22
